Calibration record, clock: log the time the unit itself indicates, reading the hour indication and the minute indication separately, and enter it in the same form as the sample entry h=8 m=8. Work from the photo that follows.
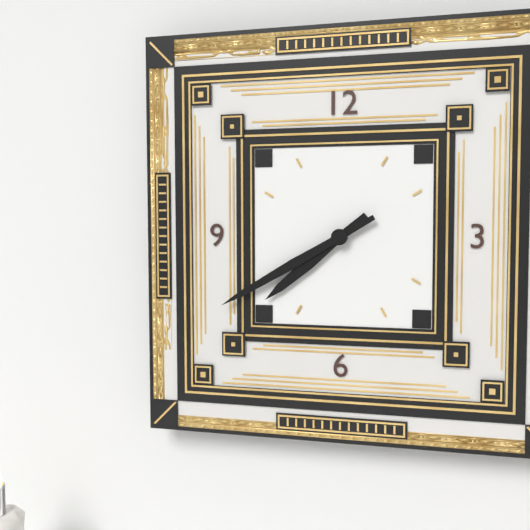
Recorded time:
h=7 m=40
